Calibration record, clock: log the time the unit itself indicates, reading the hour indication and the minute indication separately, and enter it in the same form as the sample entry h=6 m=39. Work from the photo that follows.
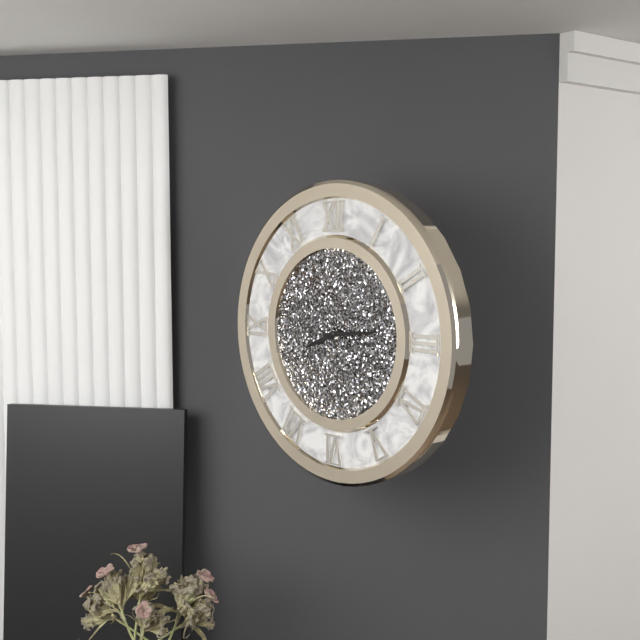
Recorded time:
h=8 m=14
